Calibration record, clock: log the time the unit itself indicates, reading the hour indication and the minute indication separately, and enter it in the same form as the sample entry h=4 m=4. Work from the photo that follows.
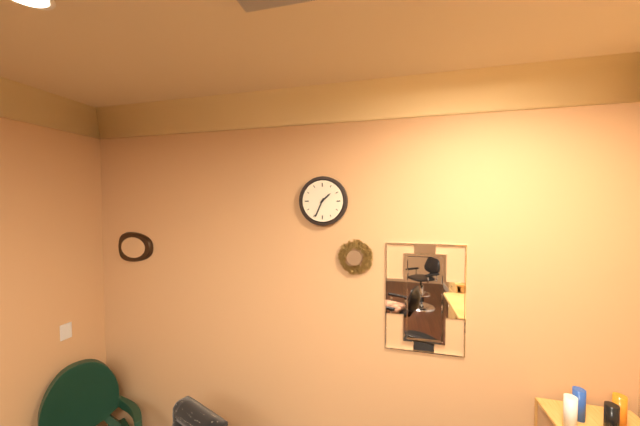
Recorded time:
h=1 m=34
